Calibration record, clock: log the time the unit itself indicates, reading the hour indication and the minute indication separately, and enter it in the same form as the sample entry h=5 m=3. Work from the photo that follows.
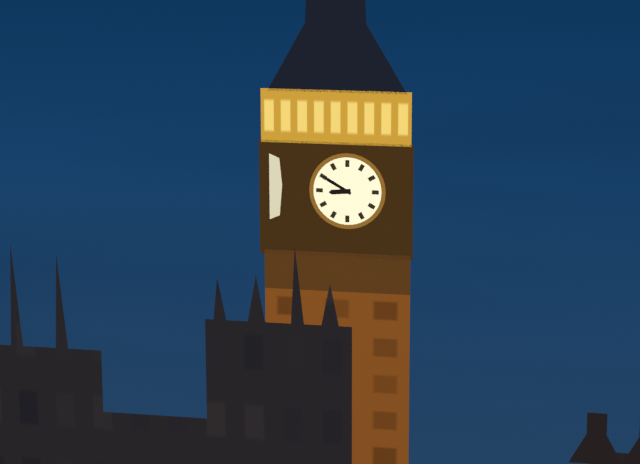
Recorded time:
h=8 m=50
